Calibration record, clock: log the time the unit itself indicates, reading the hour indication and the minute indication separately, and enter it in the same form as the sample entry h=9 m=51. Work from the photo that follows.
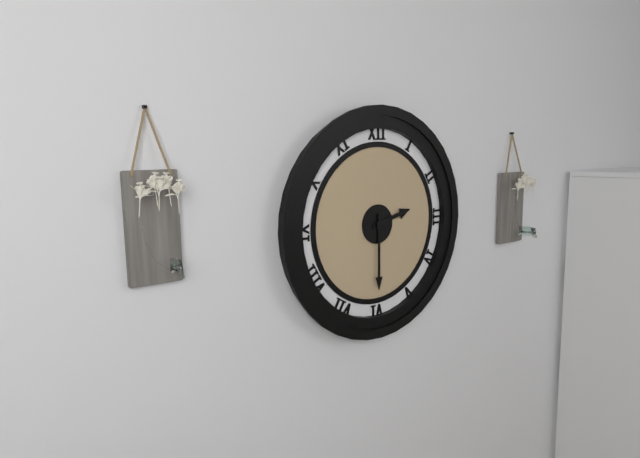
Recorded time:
h=2 m=30
